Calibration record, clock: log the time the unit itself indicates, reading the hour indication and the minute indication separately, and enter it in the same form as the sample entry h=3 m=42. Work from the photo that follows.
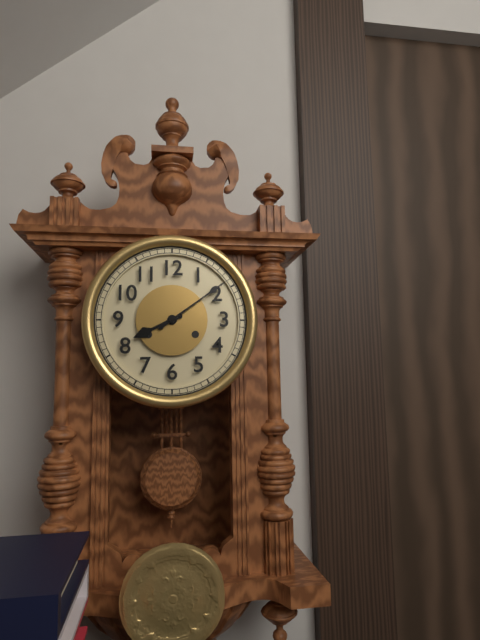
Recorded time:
h=8 m=9
